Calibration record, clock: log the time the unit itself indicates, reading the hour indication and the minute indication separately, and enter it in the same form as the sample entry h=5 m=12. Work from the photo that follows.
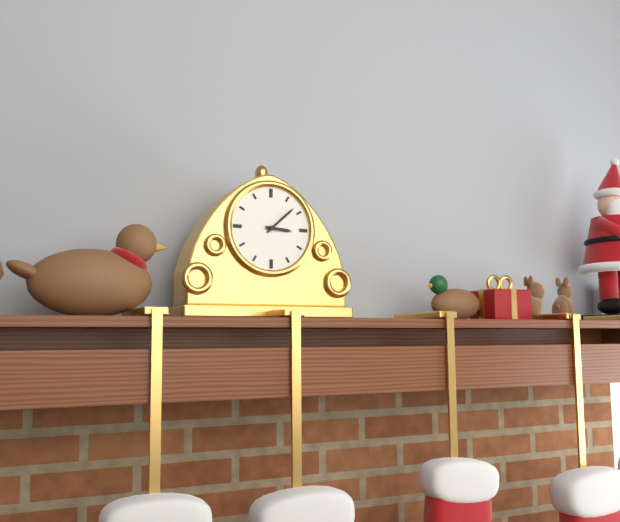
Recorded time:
h=3 m=8
